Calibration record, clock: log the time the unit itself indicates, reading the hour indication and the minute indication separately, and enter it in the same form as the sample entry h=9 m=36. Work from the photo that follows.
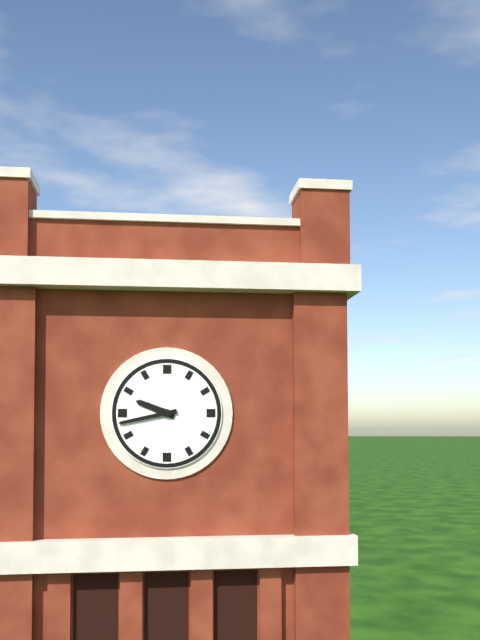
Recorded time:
h=9 m=43
